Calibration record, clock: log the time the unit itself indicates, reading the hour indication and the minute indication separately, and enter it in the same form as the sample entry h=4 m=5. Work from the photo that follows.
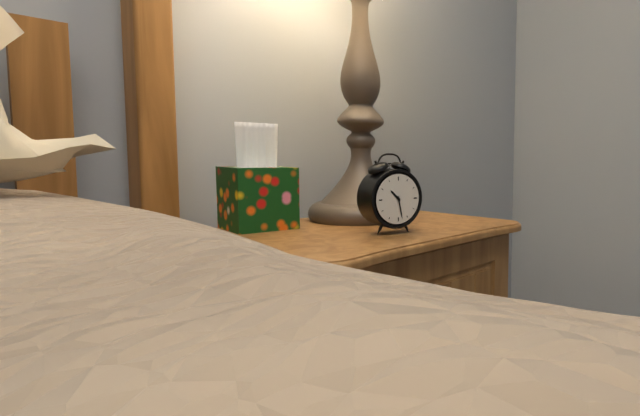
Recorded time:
h=10 m=28
